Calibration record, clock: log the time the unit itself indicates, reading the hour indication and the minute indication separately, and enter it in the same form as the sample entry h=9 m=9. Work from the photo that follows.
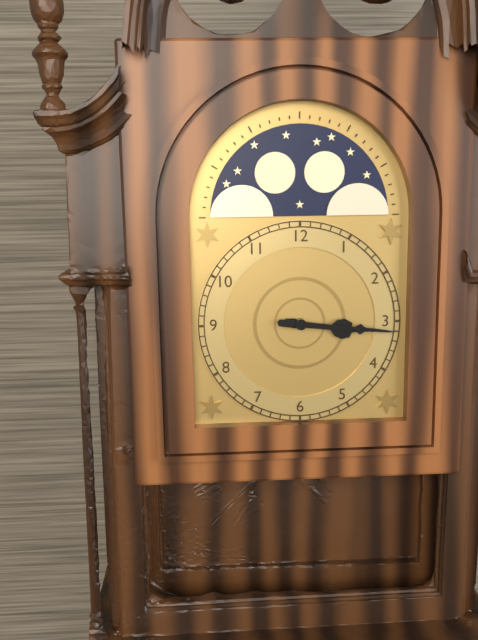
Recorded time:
h=3 m=16
